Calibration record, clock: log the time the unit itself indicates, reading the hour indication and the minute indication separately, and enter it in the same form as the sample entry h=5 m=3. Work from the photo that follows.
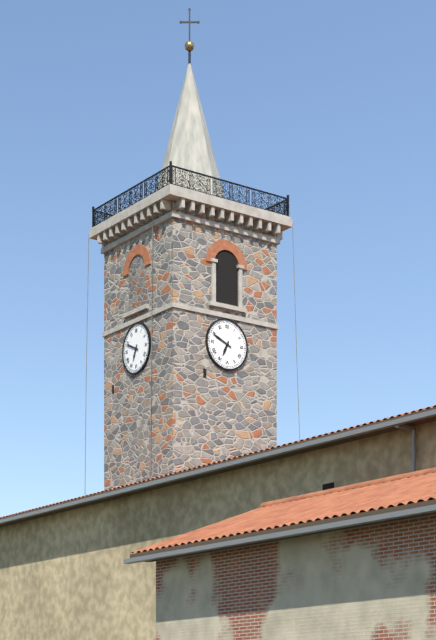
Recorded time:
h=6 m=49
